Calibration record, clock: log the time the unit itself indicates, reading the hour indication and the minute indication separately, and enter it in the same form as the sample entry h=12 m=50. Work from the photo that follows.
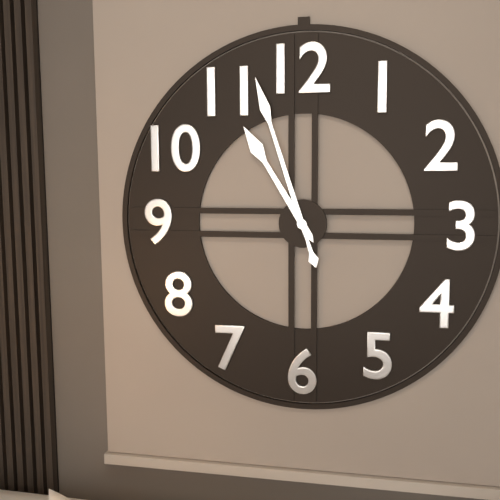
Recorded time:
h=10 m=57
